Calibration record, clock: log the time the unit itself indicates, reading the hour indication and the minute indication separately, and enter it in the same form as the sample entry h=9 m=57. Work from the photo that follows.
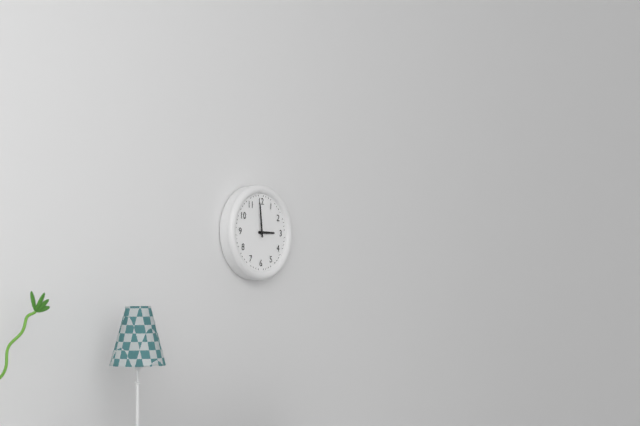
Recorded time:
h=2 m=59
